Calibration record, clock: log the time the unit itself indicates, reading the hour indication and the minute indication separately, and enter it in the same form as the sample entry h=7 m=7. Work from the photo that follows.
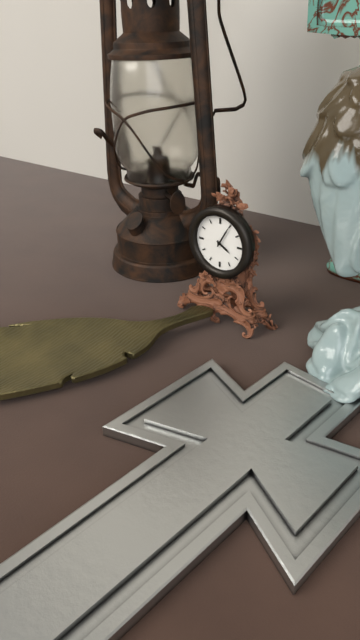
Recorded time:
h=4 m=5
